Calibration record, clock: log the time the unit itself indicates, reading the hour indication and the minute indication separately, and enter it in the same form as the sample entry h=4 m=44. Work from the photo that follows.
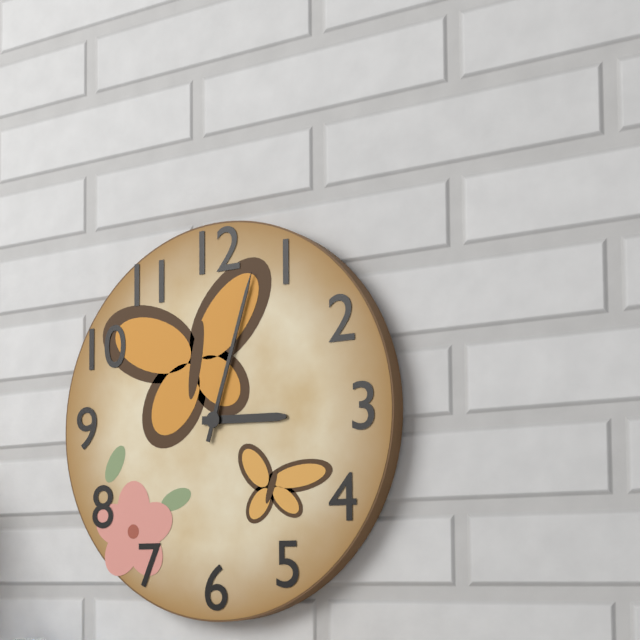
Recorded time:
h=3 m=3
